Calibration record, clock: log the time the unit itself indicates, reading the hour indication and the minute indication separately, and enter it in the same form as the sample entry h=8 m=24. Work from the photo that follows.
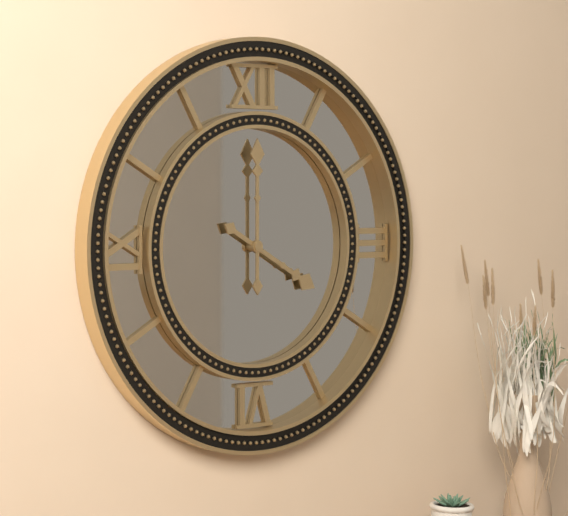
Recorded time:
h=4 m=0
